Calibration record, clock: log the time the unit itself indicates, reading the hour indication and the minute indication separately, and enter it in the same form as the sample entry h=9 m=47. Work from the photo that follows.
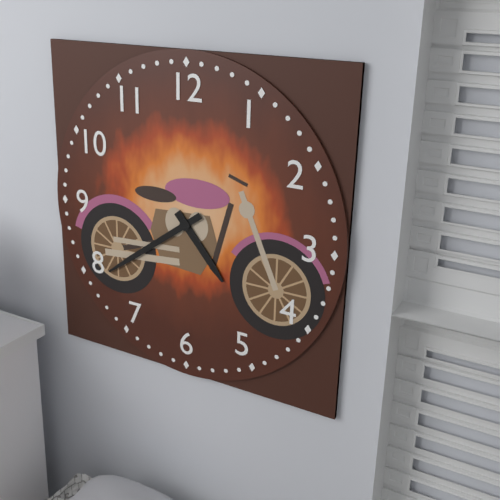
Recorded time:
h=4 m=39
